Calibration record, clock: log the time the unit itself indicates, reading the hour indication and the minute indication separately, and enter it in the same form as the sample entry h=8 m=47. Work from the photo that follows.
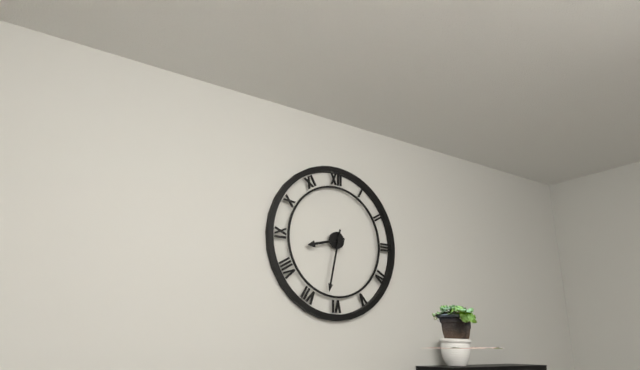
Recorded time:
h=8 m=32
